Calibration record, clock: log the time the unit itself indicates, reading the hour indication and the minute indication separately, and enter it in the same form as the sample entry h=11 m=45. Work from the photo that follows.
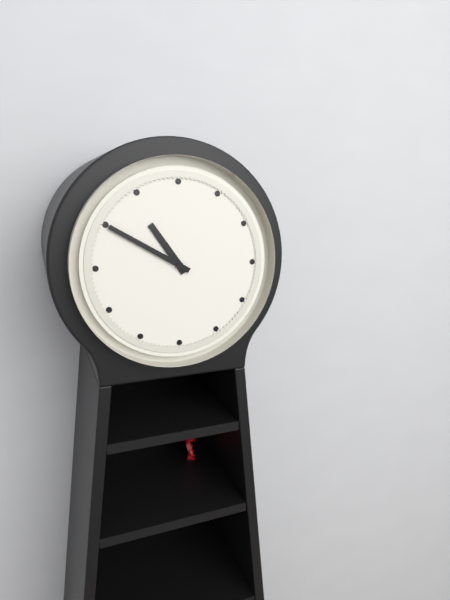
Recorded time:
h=10 m=50
